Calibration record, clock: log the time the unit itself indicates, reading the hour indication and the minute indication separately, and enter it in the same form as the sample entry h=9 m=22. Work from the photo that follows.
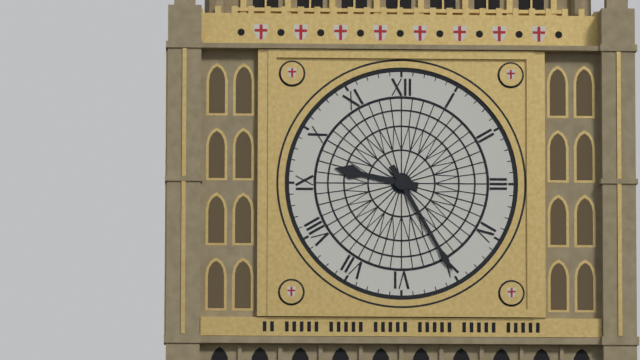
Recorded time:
h=9 m=25
